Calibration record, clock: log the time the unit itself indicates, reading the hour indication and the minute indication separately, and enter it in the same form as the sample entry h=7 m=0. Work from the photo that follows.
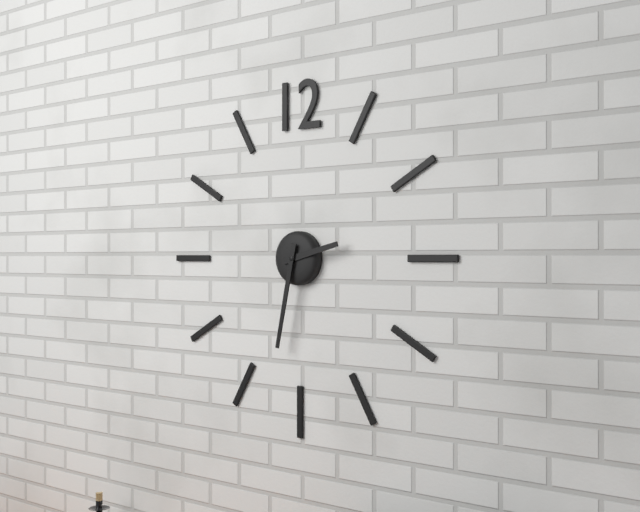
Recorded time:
h=2 m=32
